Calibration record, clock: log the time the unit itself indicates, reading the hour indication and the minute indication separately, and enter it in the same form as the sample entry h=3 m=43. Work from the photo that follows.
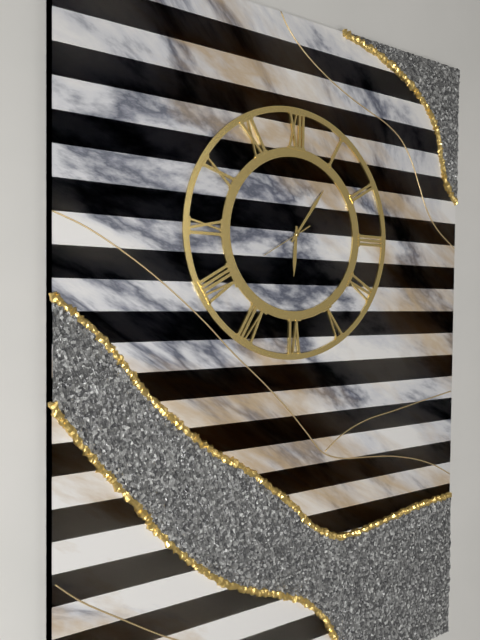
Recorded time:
h=6 m=6
